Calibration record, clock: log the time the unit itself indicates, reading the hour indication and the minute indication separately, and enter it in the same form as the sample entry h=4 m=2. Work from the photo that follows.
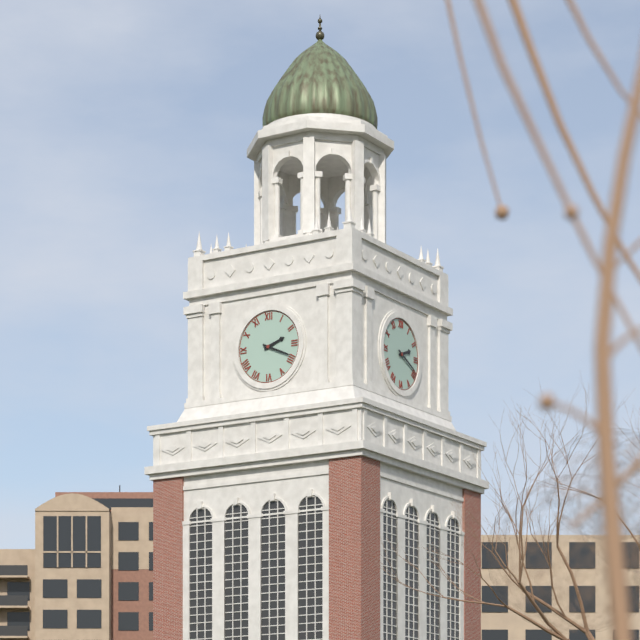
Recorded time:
h=2 m=19
